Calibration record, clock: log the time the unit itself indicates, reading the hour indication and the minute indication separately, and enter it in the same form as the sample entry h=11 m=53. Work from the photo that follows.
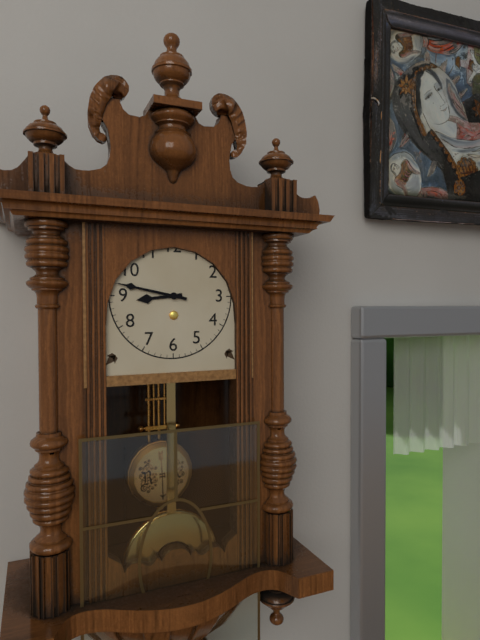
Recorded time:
h=8 m=47
